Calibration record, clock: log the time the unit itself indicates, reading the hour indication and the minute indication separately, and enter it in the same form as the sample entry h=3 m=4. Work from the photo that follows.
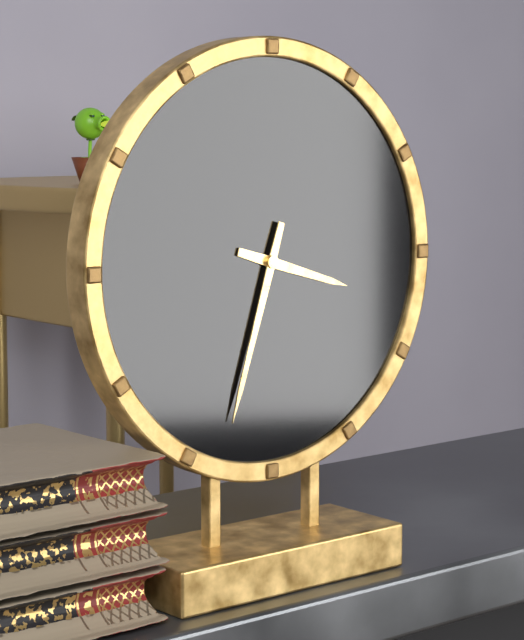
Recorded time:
h=3 m=33
